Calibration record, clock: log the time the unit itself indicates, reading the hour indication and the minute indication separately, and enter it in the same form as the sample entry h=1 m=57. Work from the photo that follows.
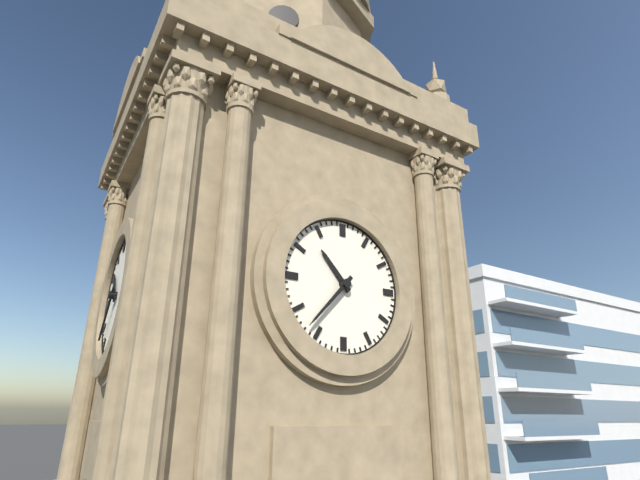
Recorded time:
h=10 m=37
